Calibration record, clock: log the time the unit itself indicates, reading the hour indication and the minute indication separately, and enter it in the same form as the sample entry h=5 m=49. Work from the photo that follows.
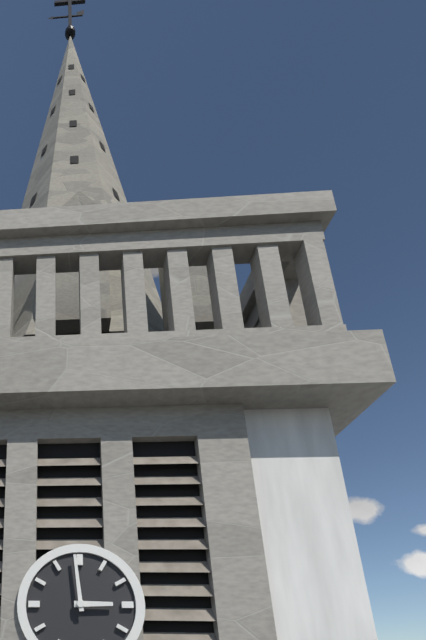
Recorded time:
h=2 m=59
